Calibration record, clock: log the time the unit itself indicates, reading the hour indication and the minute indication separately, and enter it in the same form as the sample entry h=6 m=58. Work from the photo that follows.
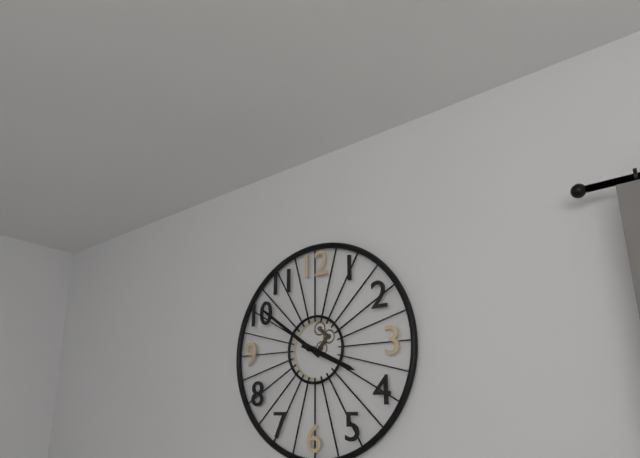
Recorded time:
h=3 m=51
